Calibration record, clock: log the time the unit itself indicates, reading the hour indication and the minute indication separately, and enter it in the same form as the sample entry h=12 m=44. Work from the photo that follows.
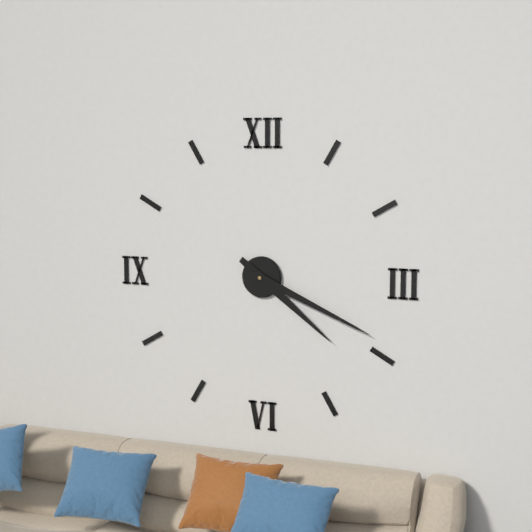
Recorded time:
h=4 m=19
